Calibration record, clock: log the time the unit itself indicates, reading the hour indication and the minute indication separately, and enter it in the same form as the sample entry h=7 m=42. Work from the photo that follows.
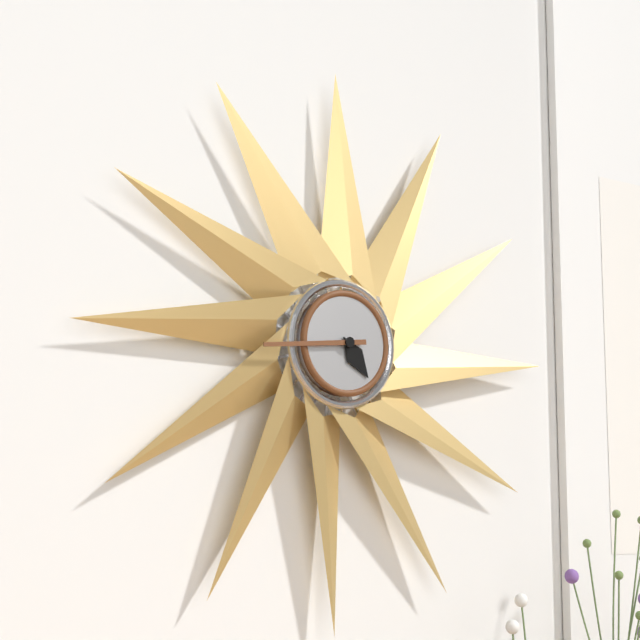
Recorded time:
h=4 m=44
